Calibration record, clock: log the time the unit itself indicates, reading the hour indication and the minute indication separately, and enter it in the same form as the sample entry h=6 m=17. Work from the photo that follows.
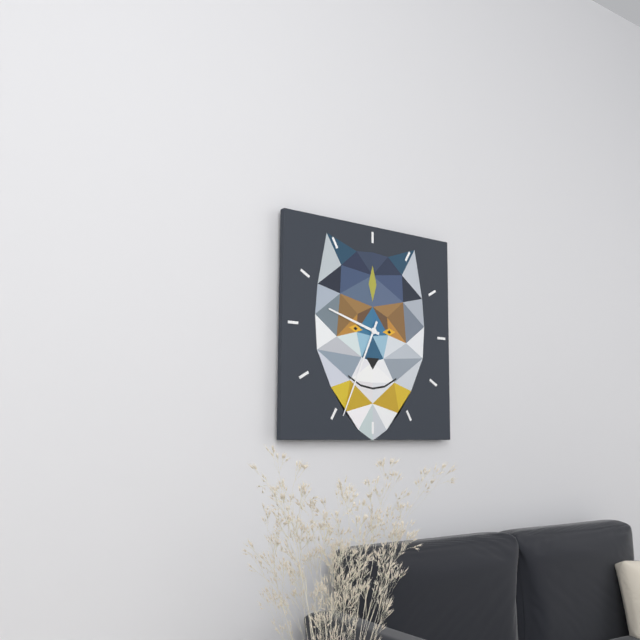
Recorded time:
h=9 m=34
